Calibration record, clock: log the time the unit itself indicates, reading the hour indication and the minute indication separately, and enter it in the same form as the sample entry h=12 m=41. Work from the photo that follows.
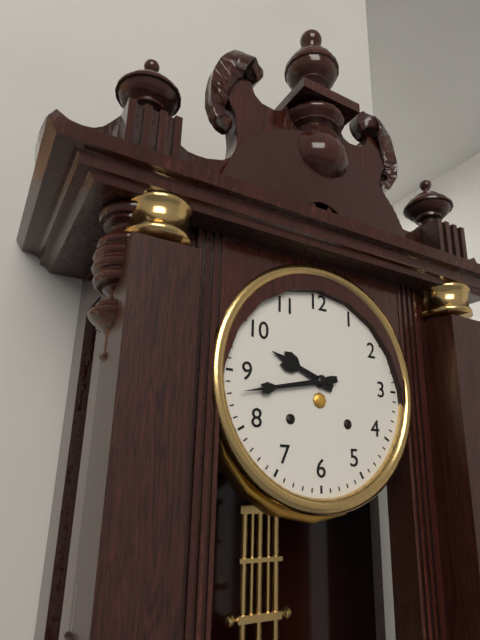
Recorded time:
h=9 m=43
